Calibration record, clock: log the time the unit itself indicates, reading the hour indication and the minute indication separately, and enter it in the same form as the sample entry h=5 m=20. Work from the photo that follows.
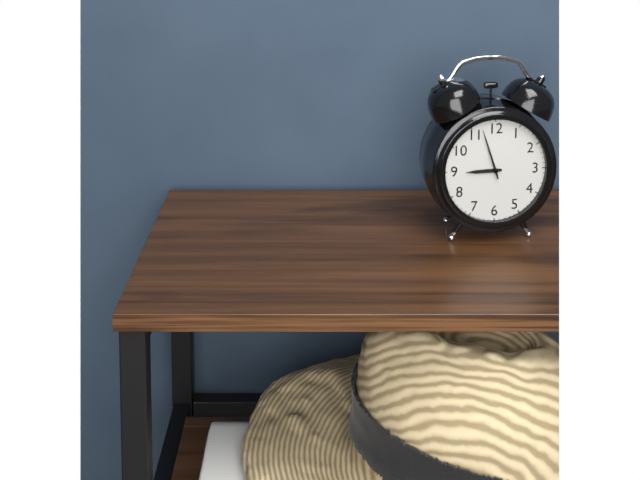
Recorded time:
h=8 m=57
